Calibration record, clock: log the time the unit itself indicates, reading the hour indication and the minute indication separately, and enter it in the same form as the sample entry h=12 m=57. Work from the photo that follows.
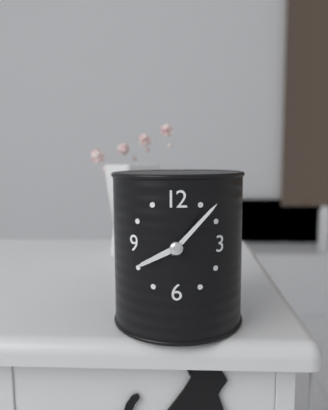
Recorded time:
h=8 m=7
